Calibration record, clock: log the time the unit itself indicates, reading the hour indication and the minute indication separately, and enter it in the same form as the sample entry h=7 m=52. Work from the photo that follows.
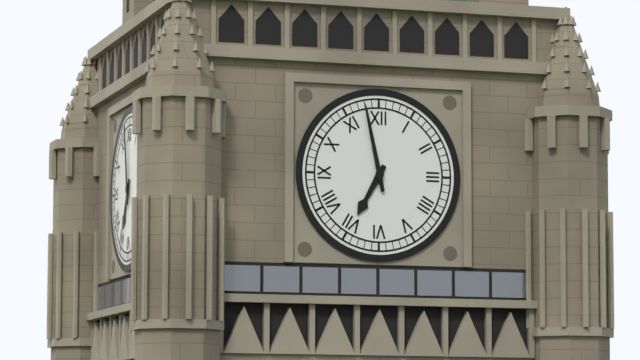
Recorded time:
h=6 m=58
